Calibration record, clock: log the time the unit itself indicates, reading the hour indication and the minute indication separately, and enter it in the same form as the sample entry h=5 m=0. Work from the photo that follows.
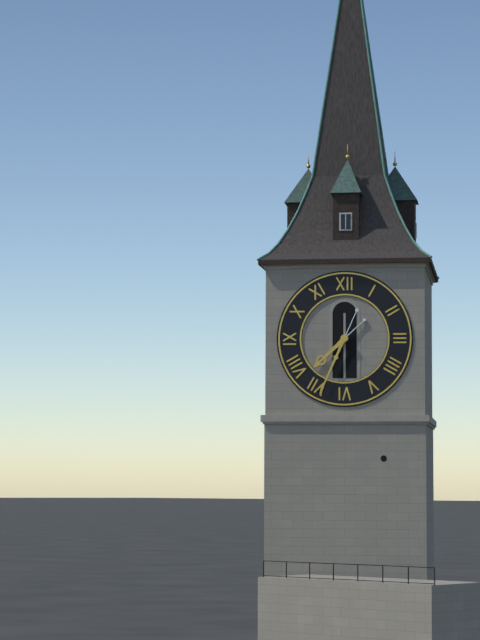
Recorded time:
h=7 m=34
